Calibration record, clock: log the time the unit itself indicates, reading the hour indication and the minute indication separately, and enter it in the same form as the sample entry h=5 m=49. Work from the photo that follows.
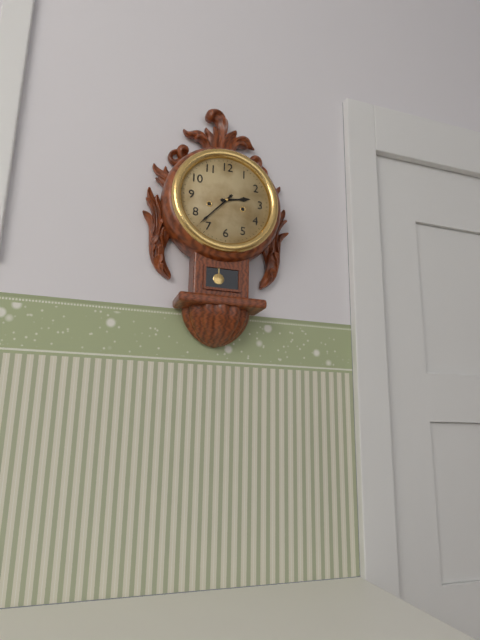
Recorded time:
h=2 m=37
